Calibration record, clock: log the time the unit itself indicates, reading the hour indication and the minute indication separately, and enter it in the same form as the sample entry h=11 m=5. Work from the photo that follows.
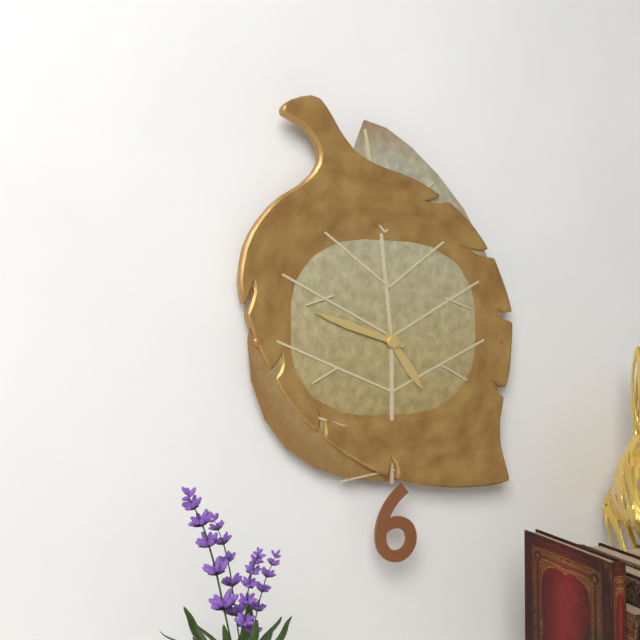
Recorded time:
h=4 m=48
